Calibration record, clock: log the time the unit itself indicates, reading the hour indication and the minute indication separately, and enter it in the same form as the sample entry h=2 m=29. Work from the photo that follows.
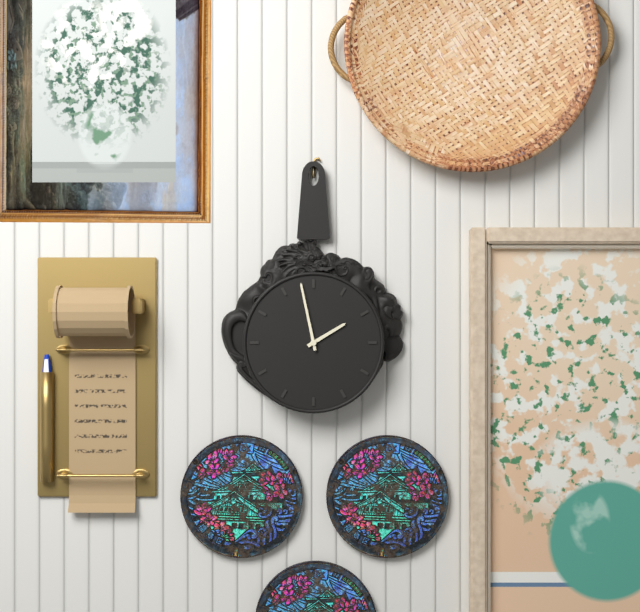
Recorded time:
h=1 m=58
